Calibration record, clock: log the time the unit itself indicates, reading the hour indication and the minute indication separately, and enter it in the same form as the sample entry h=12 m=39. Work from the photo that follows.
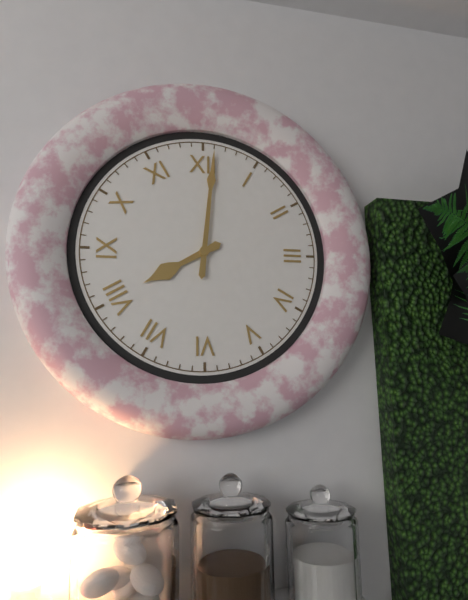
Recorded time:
h=8 m=1
